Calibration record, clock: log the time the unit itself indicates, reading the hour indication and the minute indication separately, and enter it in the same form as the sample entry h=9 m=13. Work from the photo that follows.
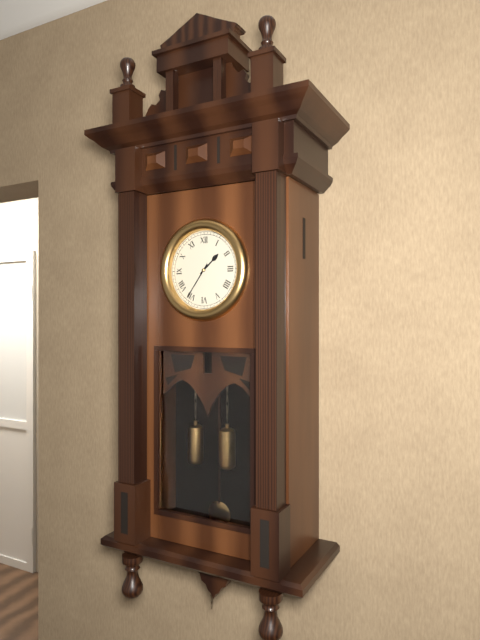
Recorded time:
h=1 m=36
